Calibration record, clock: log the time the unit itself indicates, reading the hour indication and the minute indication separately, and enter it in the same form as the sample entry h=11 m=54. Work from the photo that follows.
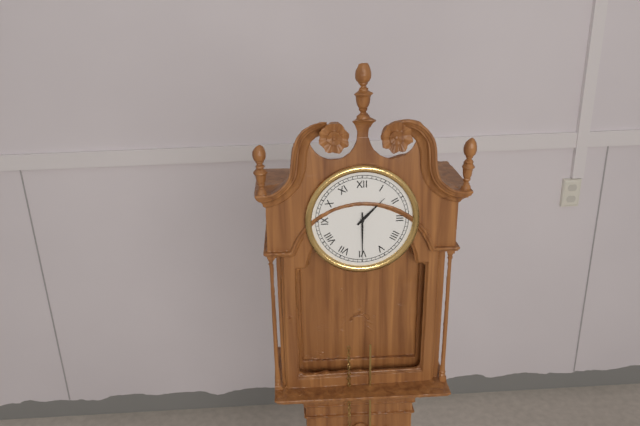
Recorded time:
h=1 m=30
